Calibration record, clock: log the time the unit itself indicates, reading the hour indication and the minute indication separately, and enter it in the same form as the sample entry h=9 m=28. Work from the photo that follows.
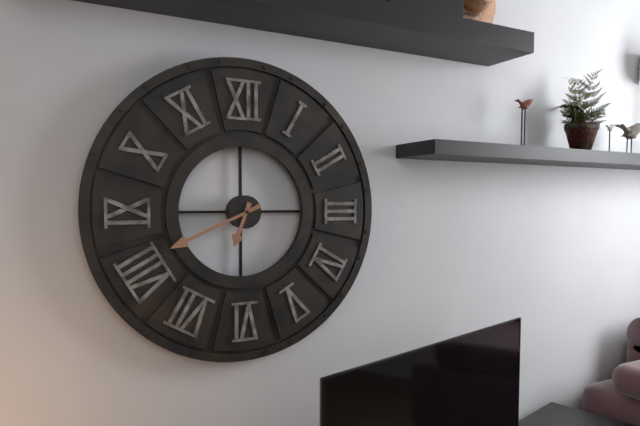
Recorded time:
h=6 m=41
